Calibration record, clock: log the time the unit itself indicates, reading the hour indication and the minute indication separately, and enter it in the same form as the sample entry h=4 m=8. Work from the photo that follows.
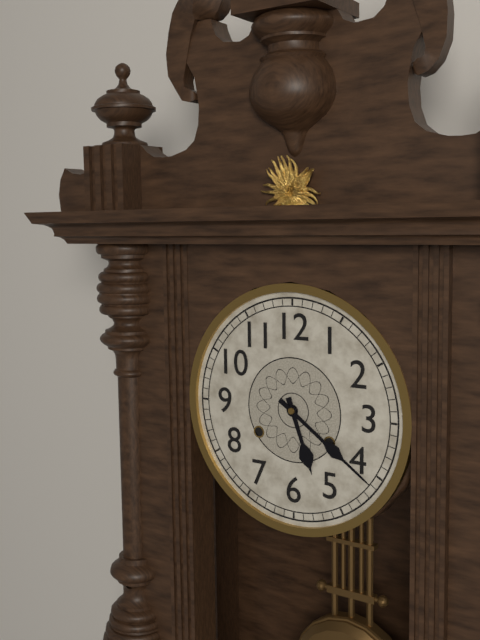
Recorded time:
h=5 m=21
